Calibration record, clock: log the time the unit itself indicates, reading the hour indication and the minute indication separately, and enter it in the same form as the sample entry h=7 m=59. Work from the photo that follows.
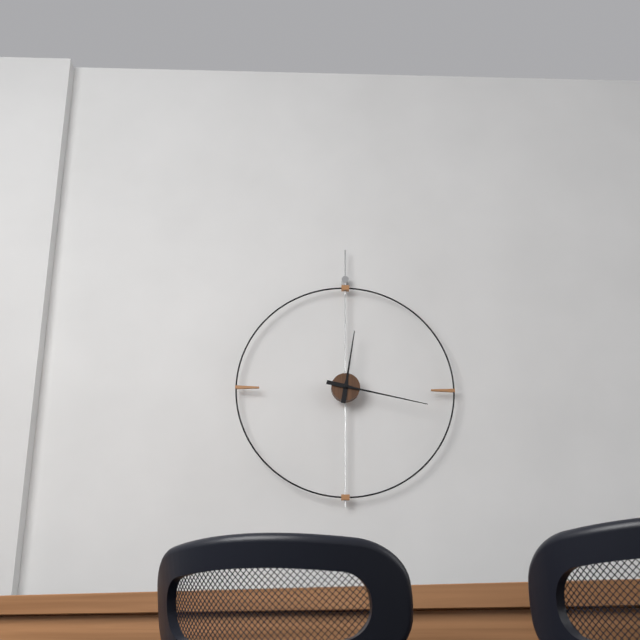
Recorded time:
h=12 m=17
